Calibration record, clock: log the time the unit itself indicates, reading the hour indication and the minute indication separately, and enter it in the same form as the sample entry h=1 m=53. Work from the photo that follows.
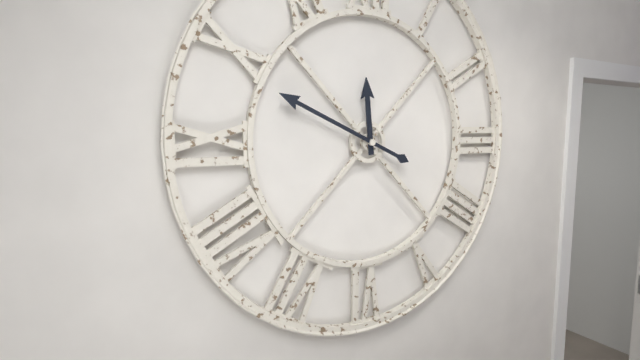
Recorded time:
h=11 m=49
